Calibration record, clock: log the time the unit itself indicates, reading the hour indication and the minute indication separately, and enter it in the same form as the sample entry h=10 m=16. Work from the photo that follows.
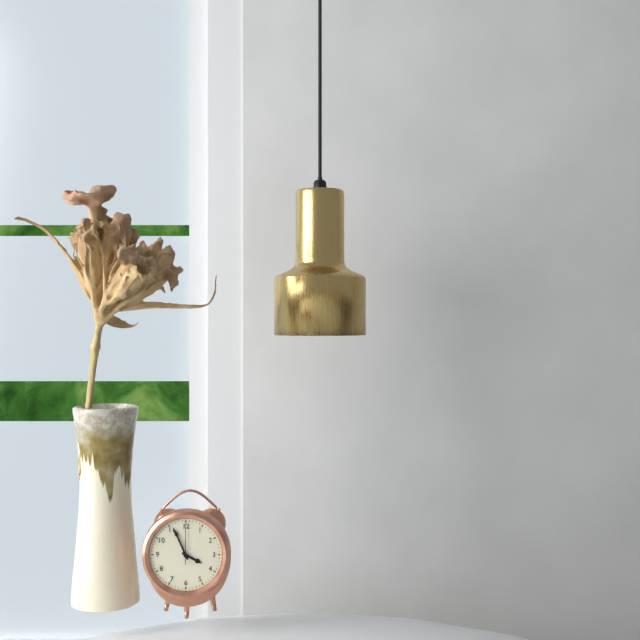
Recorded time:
h=3 m=56
